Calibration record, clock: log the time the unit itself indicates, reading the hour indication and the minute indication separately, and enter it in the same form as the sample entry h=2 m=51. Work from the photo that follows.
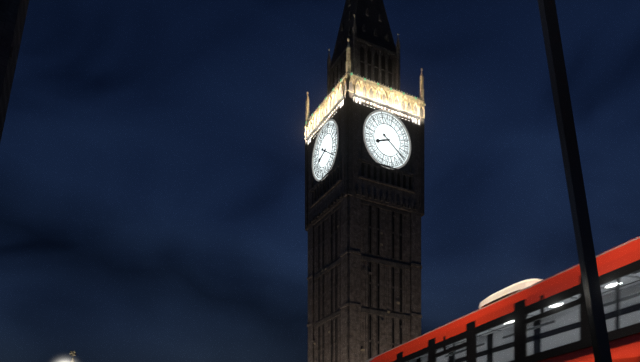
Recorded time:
h=8 m=21
